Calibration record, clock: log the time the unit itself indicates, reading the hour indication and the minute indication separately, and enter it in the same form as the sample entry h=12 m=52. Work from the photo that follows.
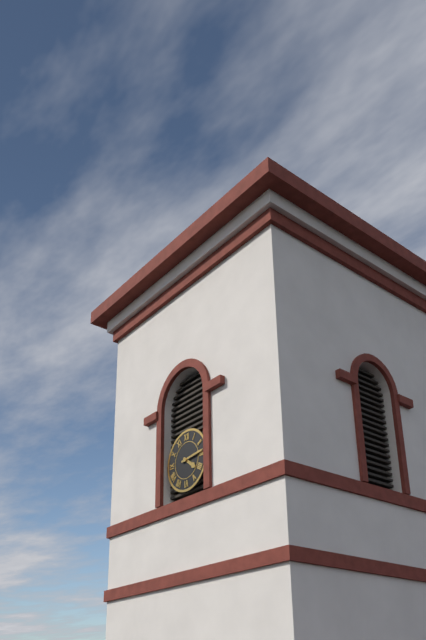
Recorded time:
h=4 m=14
